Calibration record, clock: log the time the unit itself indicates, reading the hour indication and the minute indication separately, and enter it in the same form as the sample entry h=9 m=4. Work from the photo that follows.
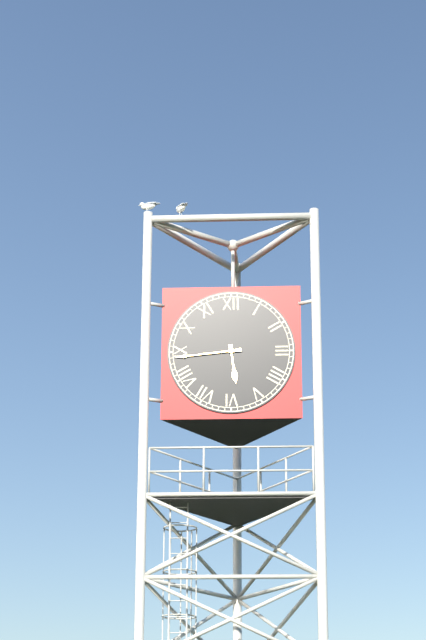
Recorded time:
h=5 m=44
